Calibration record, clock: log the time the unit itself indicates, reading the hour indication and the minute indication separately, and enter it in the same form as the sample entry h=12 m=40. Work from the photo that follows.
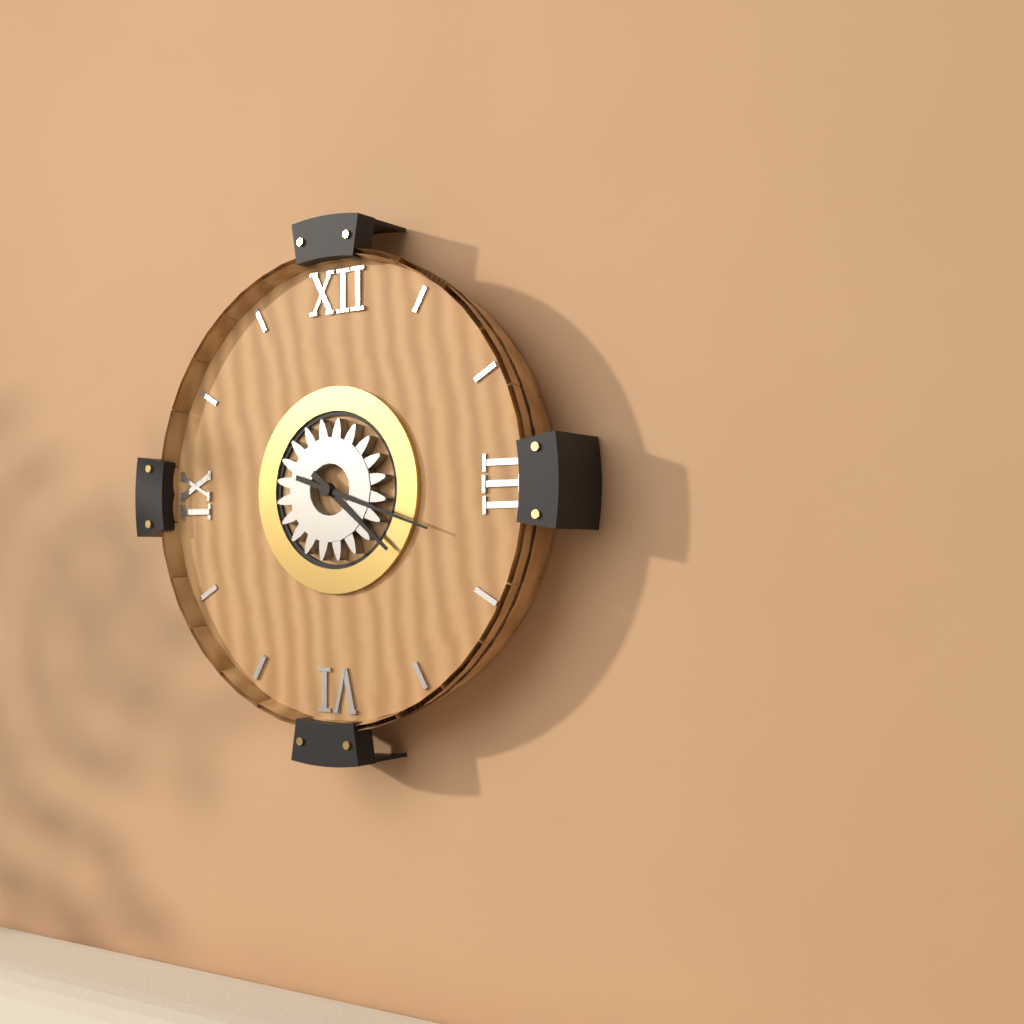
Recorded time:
h=4 m=18
